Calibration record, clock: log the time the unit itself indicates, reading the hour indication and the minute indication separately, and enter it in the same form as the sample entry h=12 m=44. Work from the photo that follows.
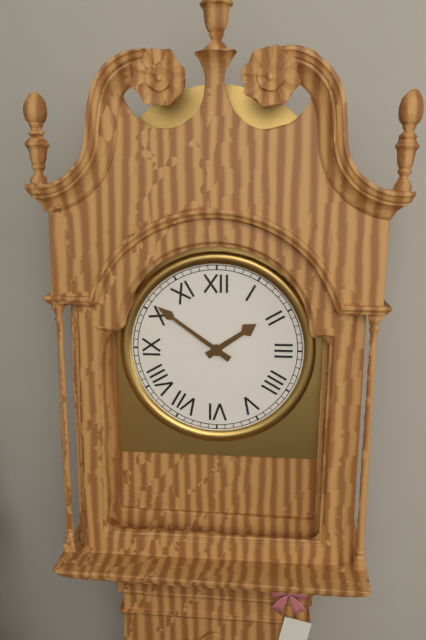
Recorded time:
h=1 m=51
